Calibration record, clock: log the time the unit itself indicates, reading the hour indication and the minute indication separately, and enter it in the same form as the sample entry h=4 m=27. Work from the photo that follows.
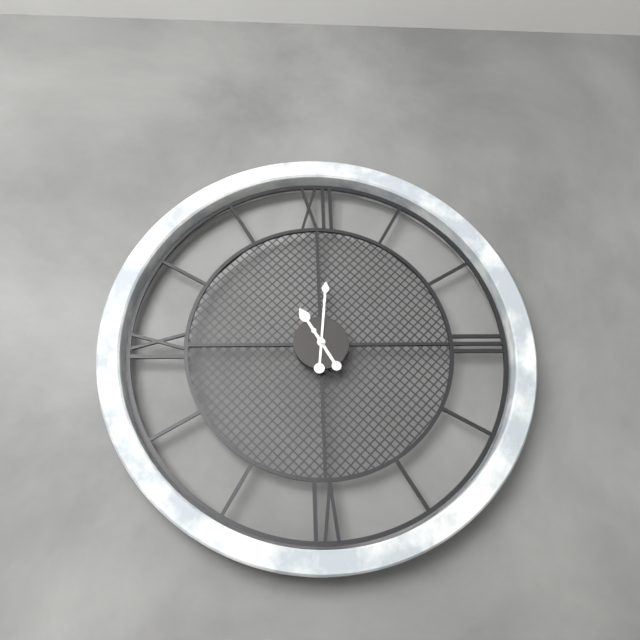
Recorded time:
h=11 m=1
